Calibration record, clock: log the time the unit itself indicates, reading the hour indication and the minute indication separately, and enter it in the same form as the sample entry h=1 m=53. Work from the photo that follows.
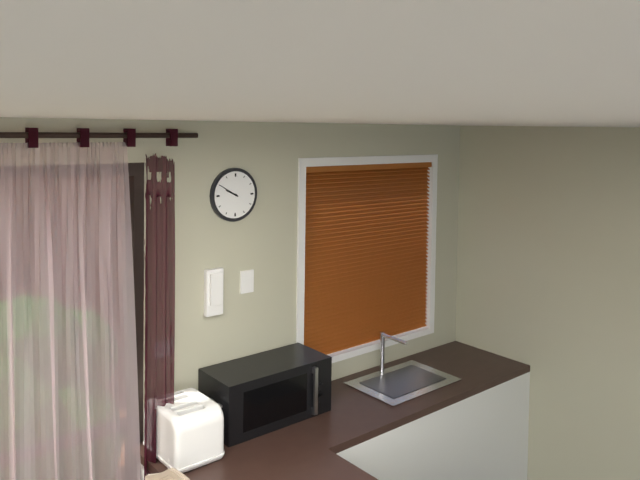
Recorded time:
h=9 m=50
